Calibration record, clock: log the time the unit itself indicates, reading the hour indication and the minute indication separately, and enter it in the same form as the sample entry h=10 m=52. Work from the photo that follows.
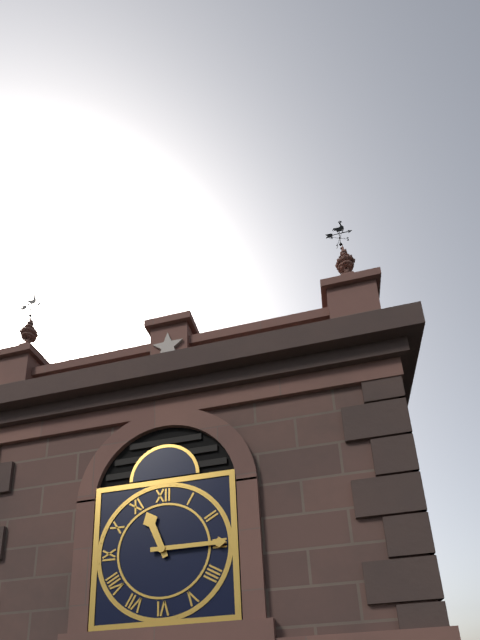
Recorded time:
h=11 m=15
